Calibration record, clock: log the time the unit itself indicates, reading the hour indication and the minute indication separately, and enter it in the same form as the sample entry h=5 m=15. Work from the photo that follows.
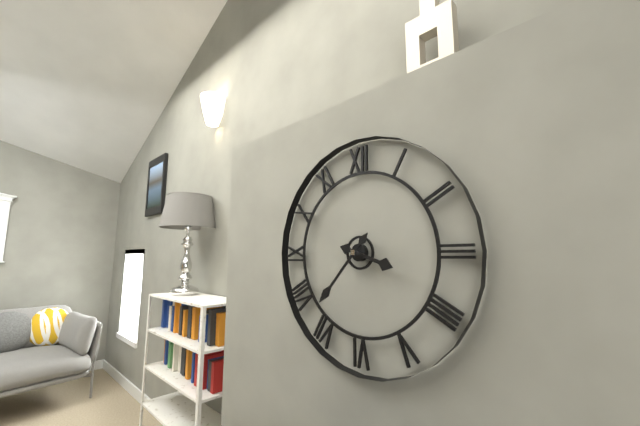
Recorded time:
h=3 m=37
